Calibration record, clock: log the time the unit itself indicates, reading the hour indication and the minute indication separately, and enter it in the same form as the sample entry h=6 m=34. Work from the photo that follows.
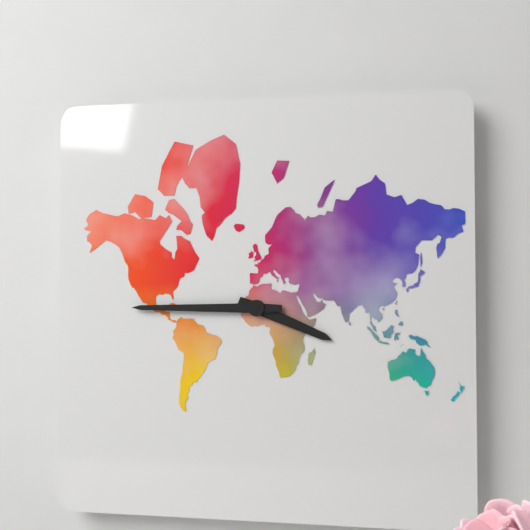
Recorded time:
h=3 m=45
